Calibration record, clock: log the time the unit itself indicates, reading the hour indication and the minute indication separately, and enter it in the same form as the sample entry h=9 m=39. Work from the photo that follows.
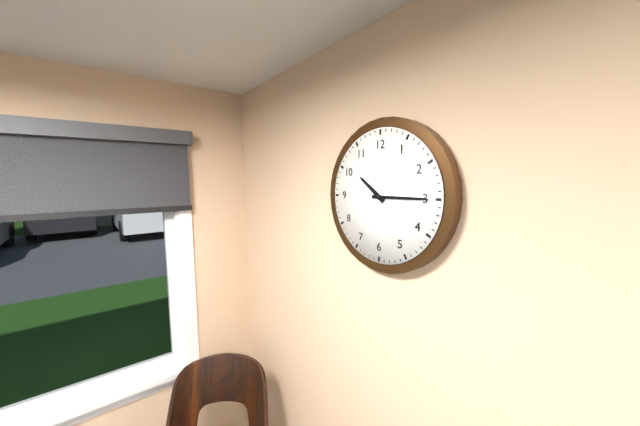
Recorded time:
h=10 m=15
